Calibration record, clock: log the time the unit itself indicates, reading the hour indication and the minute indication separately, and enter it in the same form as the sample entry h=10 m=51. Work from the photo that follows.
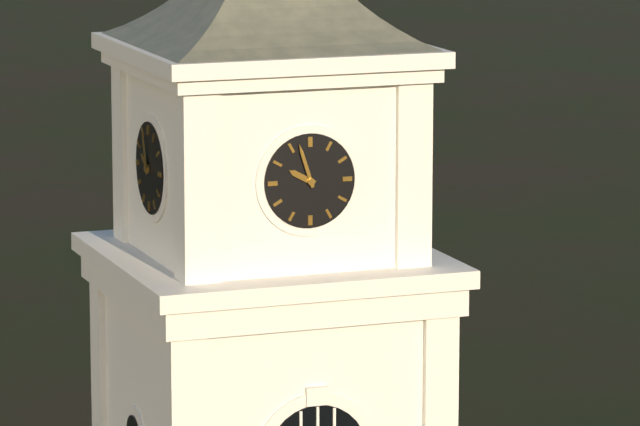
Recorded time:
h=9 m=57
